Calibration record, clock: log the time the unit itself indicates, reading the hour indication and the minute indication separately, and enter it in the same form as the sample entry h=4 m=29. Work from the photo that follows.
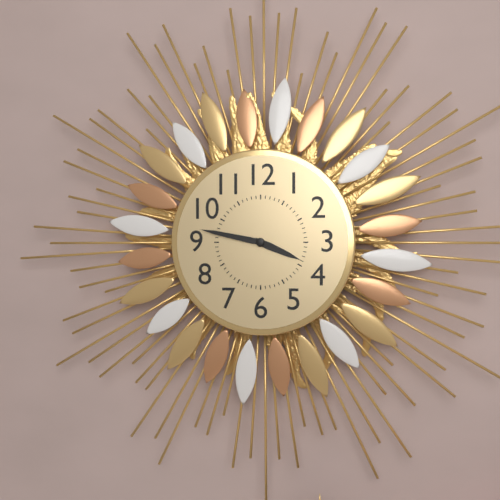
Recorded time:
h=3 m=47
